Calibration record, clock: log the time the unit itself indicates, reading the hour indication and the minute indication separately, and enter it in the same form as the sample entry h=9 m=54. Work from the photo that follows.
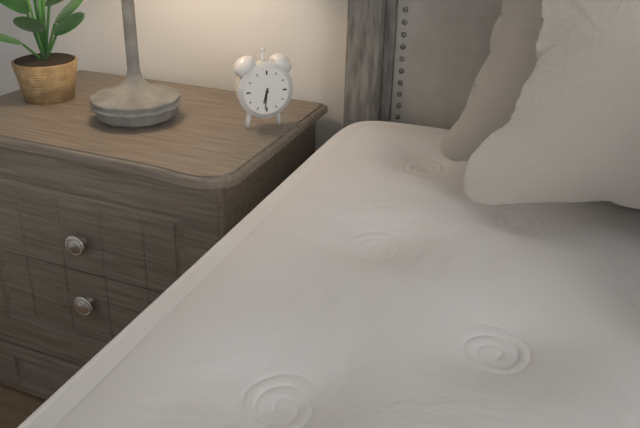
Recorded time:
h=6 m=31
